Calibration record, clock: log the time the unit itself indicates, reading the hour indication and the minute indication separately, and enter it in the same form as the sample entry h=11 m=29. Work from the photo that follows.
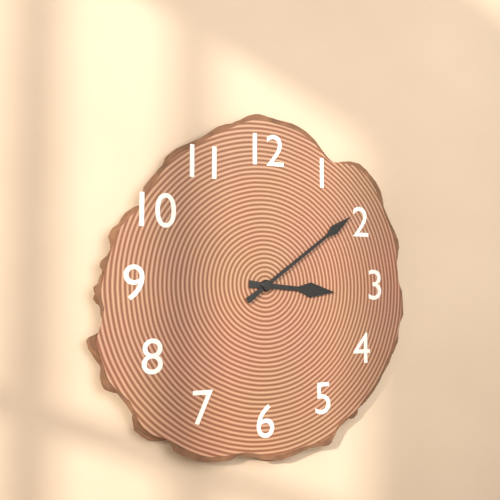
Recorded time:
h=3 m=9
